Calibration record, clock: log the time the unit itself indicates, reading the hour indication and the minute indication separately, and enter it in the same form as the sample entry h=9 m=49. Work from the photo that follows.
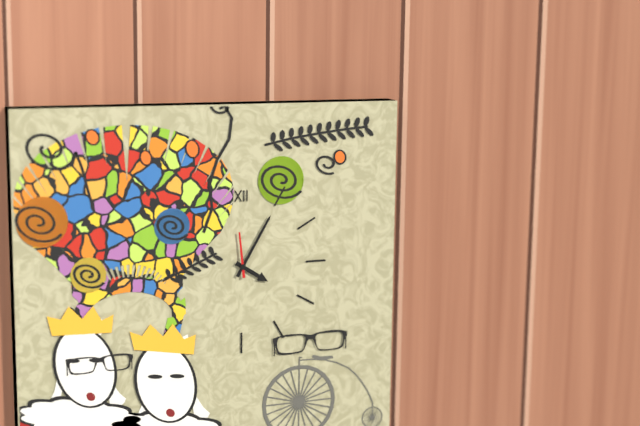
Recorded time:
h=4 m=5
